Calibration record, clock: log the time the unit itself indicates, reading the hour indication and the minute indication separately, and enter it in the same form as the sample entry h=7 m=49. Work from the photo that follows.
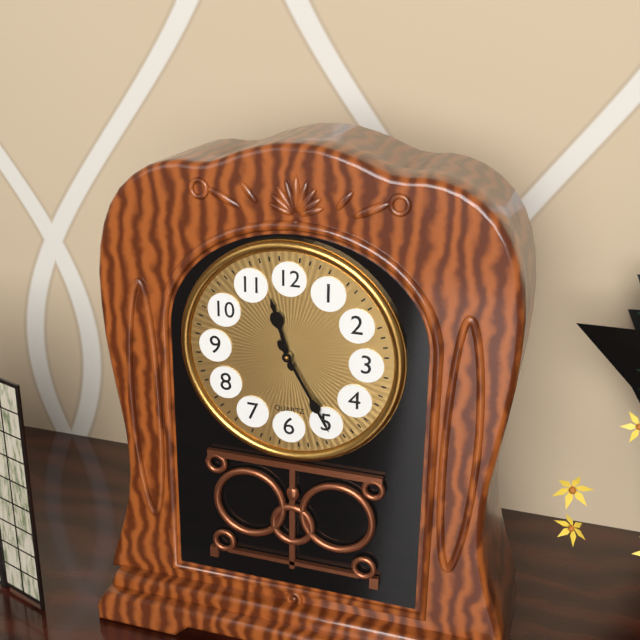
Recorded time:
h=11 m=25
